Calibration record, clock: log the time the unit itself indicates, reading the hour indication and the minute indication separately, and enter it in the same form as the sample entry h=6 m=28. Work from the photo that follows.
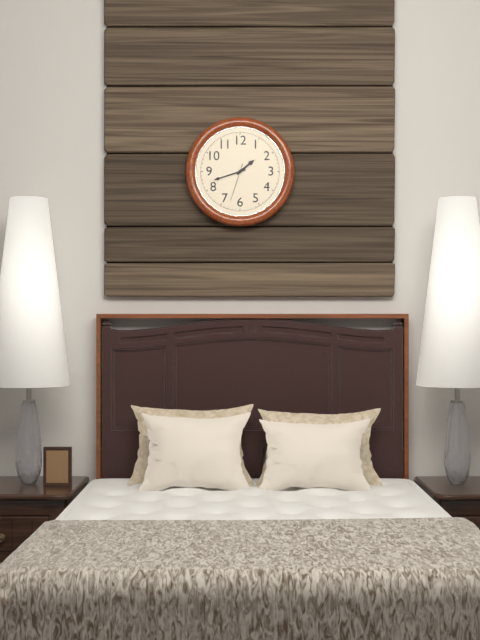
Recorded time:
h=1 m=42
